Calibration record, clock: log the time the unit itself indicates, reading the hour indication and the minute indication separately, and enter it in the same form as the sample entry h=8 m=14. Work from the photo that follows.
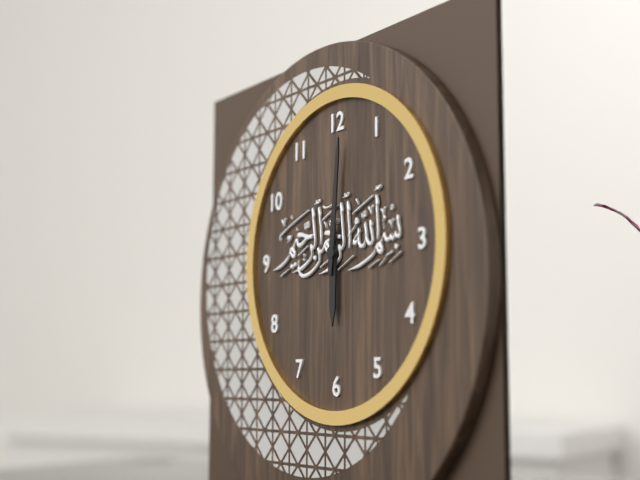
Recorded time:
h=6 m=1
